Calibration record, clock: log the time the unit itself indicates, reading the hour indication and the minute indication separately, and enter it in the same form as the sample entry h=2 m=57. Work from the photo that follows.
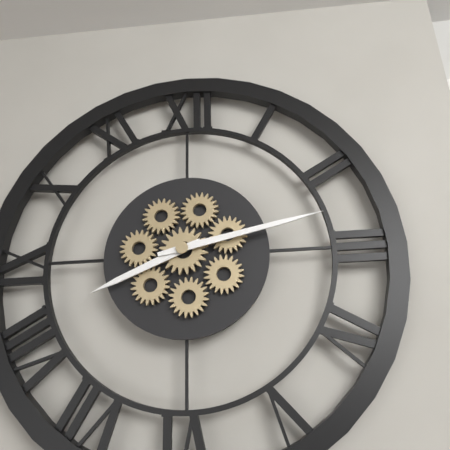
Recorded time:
h=8 m=13
